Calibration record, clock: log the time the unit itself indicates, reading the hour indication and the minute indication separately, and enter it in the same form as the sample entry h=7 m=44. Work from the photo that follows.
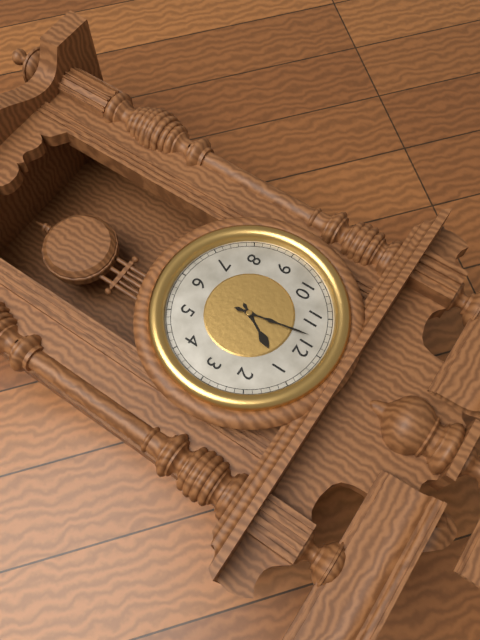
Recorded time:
h=12 m=58
